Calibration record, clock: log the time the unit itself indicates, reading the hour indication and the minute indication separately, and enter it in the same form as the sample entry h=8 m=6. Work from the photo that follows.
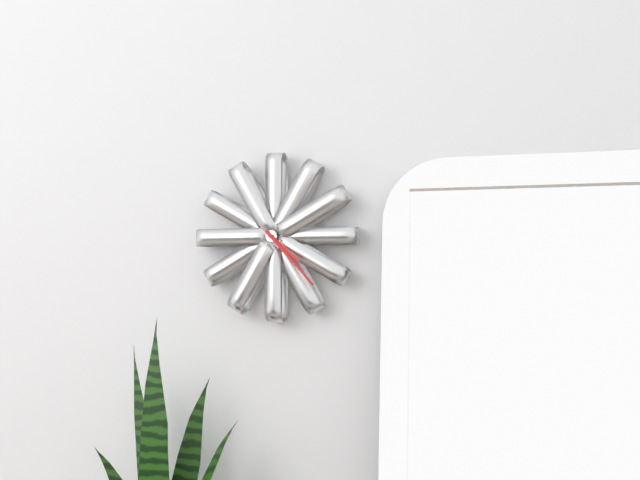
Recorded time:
h=4 m=23
